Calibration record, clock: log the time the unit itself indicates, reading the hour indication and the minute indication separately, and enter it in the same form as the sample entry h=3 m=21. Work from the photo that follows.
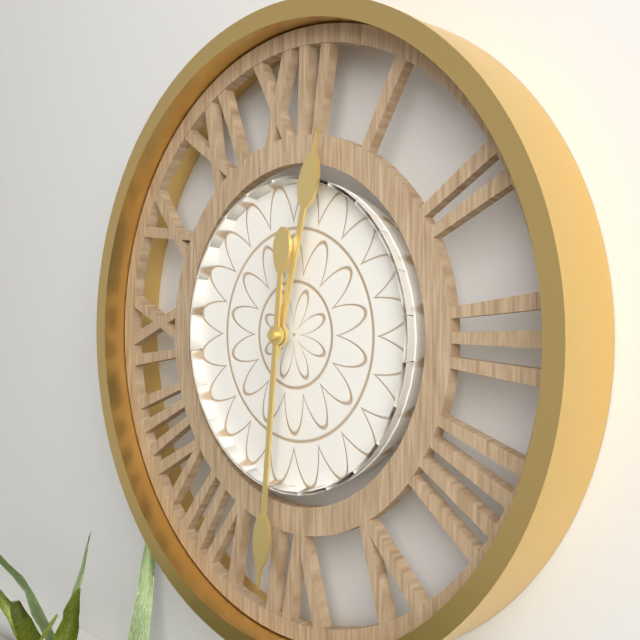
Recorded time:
h=12 m=31
